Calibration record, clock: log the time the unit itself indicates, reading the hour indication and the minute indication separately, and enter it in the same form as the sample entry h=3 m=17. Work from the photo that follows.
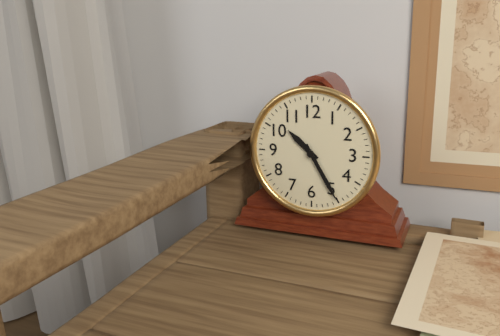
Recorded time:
h=10 m=25
